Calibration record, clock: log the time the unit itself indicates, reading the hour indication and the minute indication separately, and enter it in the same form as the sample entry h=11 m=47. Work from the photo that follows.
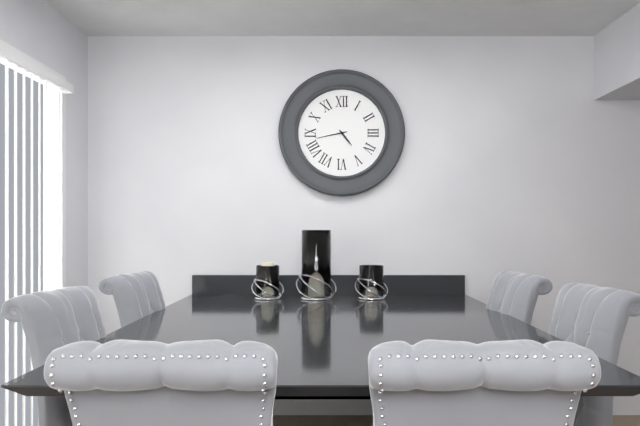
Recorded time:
h=4 m=43
